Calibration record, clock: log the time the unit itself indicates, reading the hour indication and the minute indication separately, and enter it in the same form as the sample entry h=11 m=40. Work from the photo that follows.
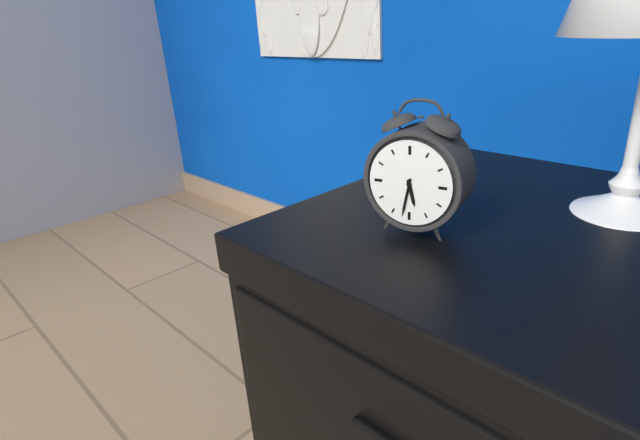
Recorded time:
h=5 m=32
